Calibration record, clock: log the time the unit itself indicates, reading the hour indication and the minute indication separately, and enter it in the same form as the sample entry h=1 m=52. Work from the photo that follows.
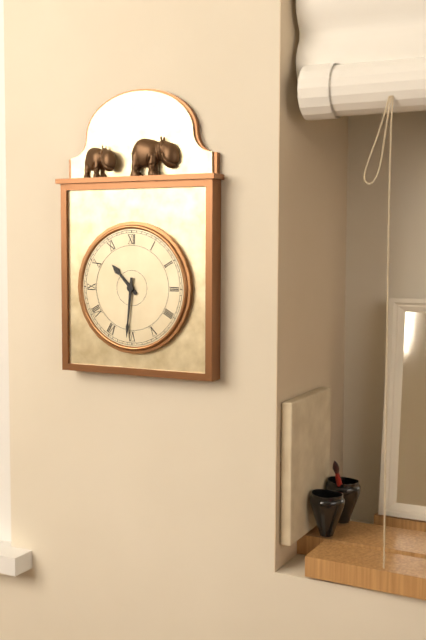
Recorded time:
h=10 m=31
